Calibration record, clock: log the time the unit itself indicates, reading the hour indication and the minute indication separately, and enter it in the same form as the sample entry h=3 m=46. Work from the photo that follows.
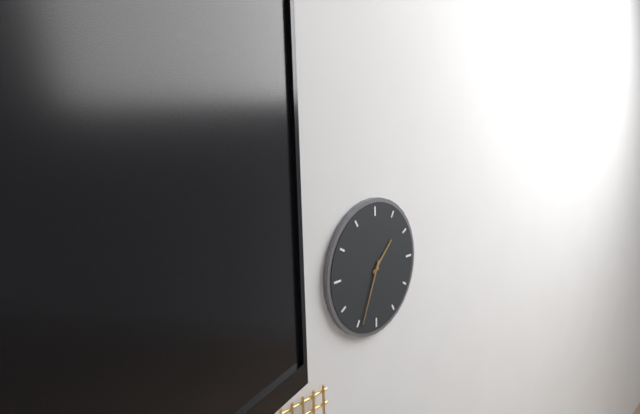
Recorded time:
h=1 m=34
